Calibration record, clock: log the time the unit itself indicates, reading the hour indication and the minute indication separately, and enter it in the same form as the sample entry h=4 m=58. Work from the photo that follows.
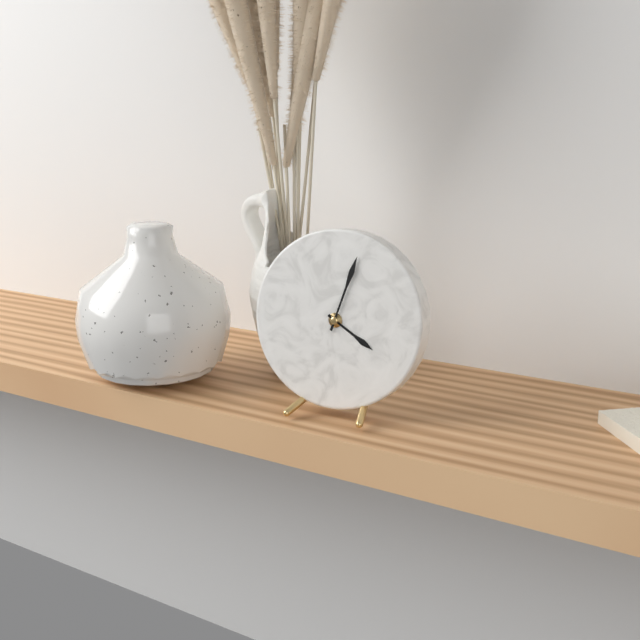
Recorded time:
h=4 m=3
